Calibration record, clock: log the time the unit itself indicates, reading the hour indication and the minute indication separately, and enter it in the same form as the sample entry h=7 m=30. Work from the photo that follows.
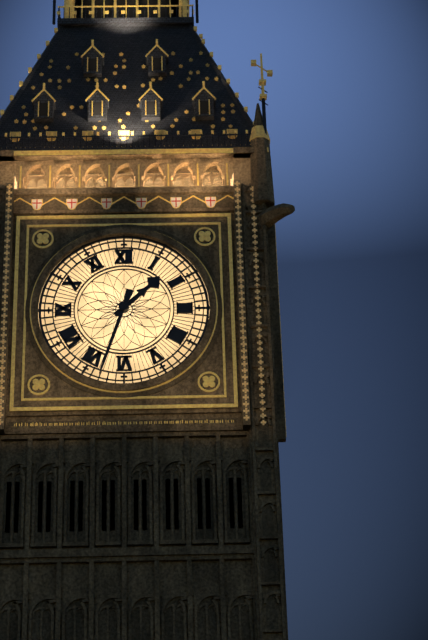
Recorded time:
h=1 m=33
